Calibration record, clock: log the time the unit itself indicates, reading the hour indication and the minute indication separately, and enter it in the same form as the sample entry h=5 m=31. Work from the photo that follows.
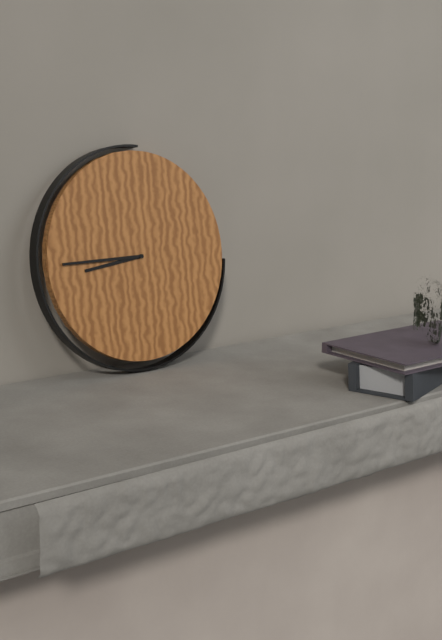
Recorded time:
h=8 m=45
